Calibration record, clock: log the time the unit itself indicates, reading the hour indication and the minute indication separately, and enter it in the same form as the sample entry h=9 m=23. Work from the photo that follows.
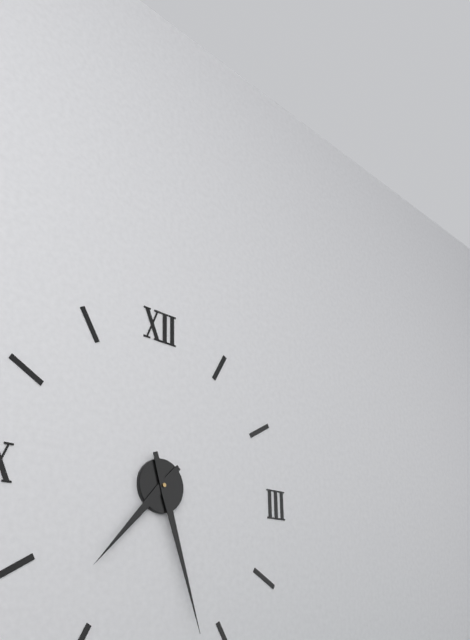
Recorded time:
h=7 m=27
